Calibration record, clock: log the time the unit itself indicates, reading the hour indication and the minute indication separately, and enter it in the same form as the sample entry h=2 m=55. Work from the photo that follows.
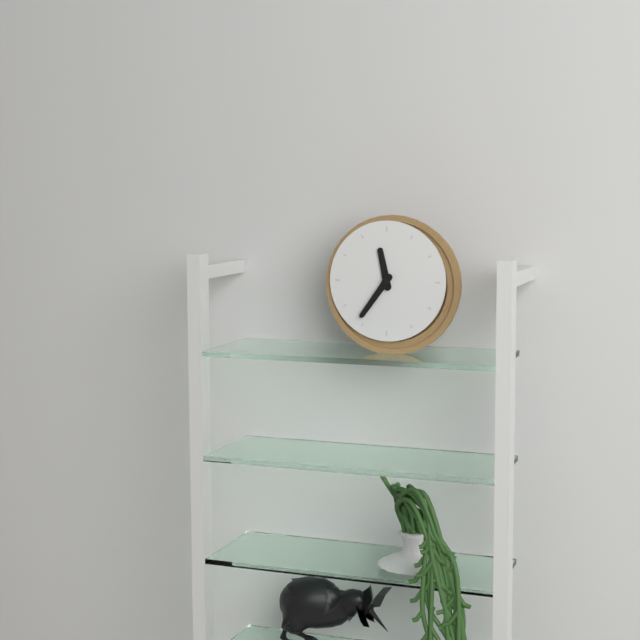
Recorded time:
h=11 m=36
